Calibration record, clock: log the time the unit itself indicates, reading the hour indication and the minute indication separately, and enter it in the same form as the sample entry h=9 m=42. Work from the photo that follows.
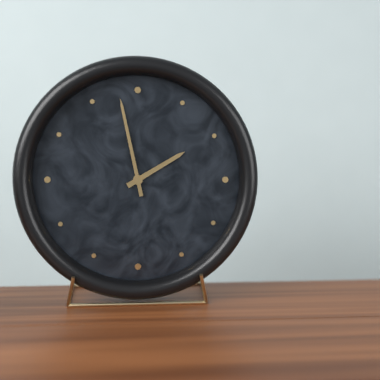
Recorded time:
h=1 m=58
